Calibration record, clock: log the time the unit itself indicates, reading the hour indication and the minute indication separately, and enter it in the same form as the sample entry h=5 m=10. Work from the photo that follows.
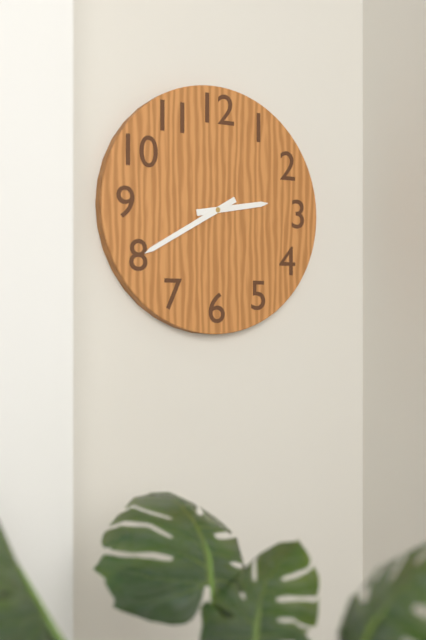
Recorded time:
h=2 m=40
